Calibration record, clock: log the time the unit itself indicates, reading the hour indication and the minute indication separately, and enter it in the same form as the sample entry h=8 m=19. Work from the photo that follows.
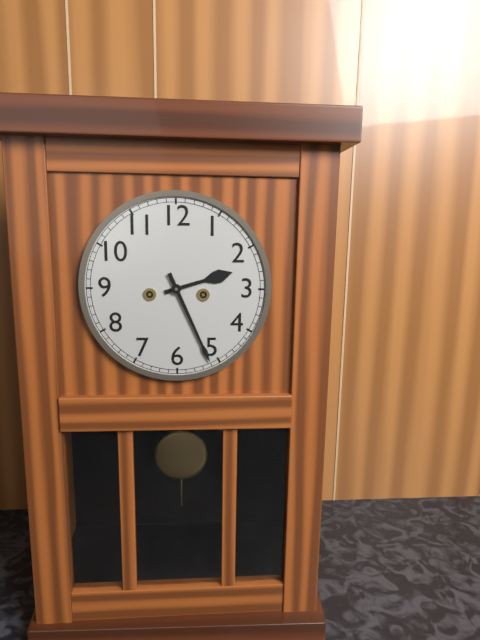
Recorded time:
h=2 m=26
